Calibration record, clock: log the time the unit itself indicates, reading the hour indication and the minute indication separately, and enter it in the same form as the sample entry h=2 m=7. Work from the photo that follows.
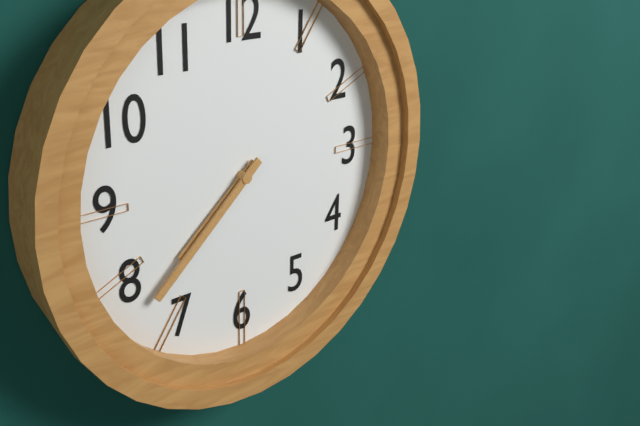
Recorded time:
h=7 m=38
